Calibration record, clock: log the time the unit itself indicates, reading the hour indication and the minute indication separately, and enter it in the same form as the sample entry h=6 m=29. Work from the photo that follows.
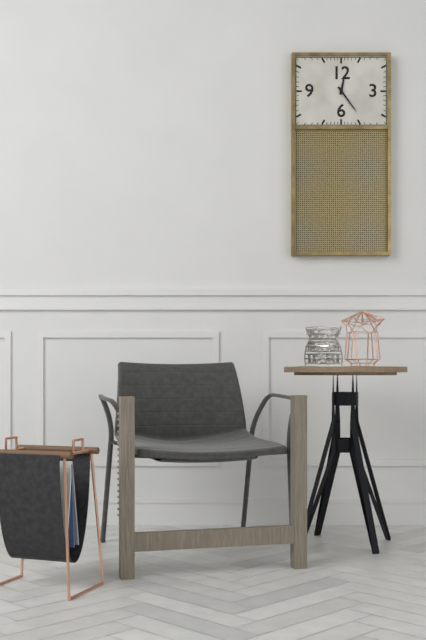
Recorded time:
h=12 m=24
